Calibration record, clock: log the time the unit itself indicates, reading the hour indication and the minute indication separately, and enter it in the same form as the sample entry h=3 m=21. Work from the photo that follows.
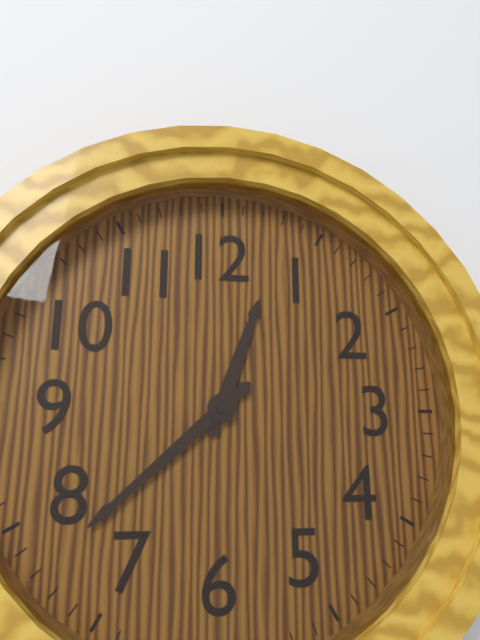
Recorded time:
h=12 m=38
